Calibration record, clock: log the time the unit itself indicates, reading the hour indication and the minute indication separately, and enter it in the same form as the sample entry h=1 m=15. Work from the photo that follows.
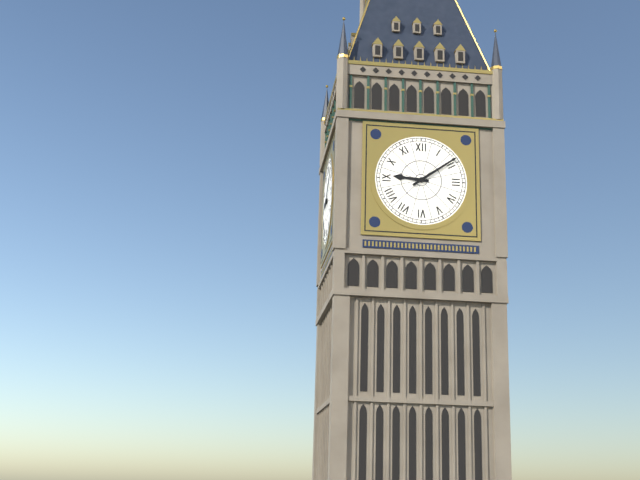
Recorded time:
h=9 m=9
